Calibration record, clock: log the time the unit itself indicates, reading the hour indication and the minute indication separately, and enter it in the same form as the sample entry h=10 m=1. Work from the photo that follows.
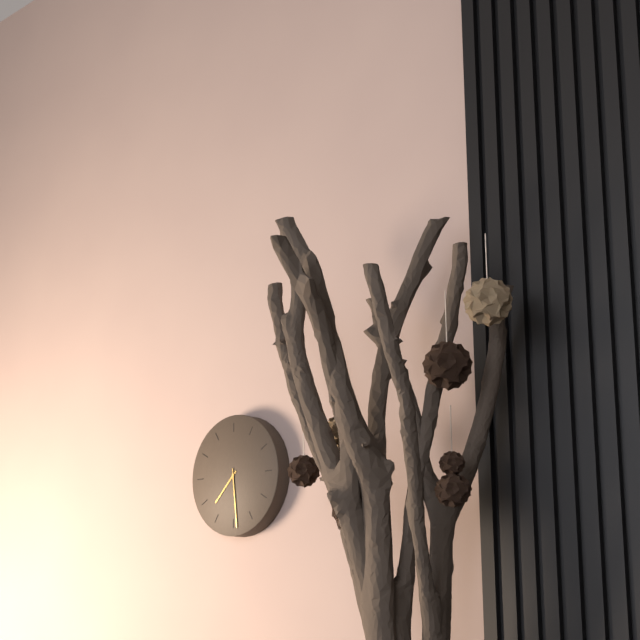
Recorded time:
h=7 m=29
